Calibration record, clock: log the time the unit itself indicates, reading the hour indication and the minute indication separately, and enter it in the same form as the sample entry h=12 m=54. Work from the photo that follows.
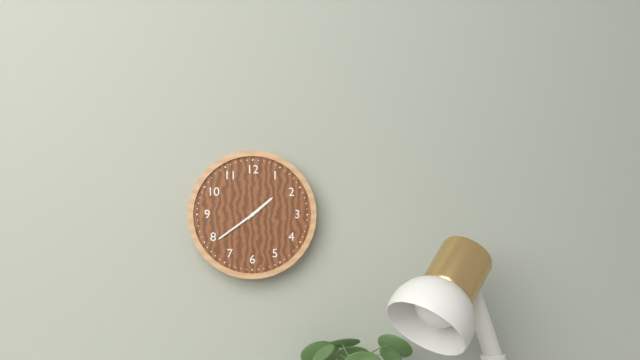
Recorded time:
h=1 m=39
